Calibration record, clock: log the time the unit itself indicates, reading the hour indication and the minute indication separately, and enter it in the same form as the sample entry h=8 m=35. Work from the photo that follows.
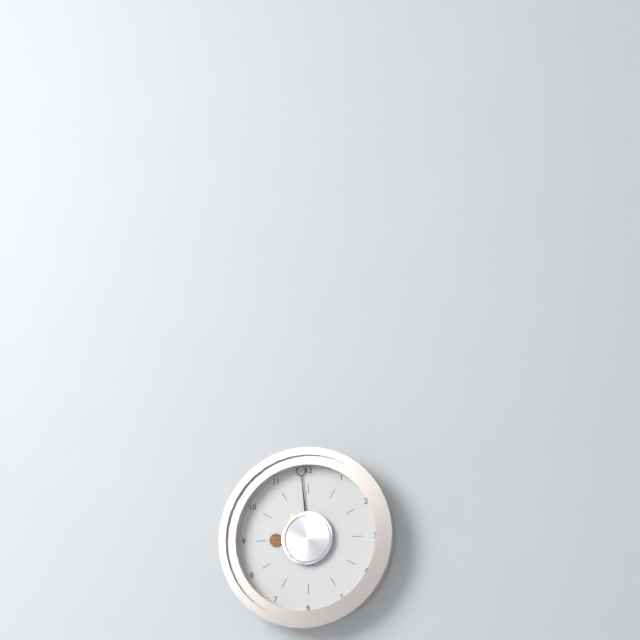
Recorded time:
h=8 m=59
